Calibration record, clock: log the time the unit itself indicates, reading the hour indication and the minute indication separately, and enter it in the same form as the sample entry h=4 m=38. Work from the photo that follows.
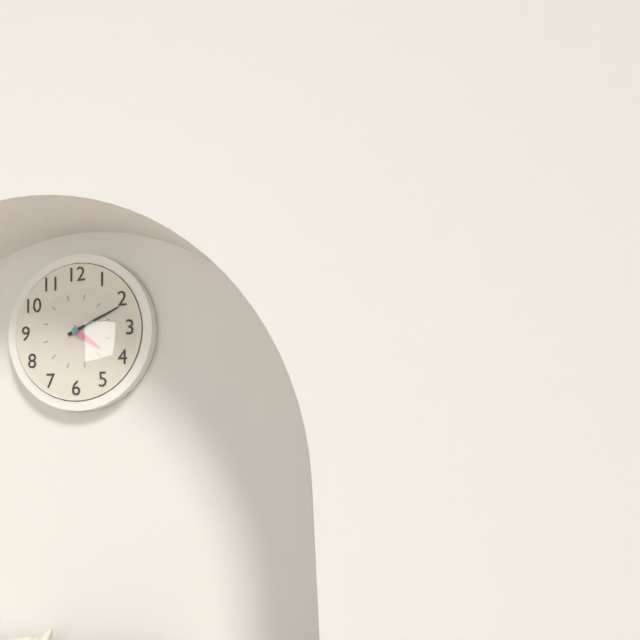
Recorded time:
h=4 m=11
